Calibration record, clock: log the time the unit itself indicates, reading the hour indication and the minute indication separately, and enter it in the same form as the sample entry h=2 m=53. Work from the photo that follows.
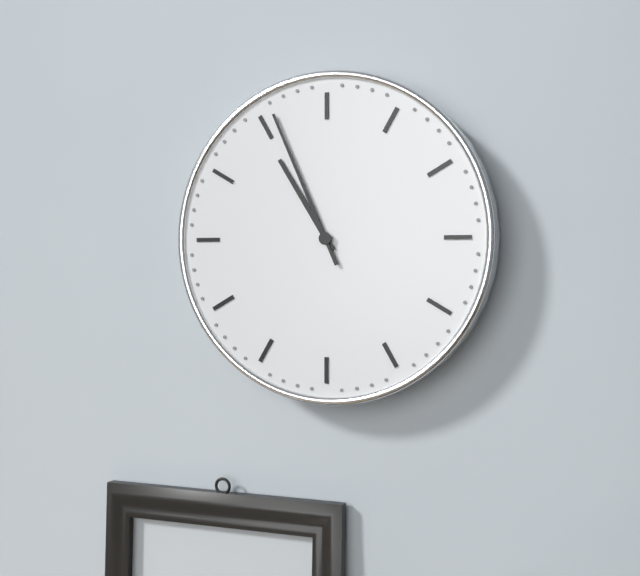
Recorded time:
h=10 m=56
